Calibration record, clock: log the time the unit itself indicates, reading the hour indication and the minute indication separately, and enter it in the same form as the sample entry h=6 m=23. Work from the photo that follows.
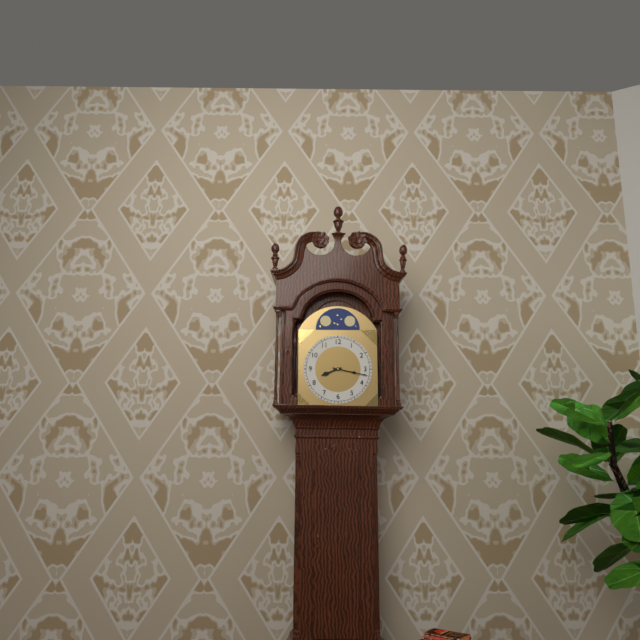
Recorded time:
h=8 m=17
